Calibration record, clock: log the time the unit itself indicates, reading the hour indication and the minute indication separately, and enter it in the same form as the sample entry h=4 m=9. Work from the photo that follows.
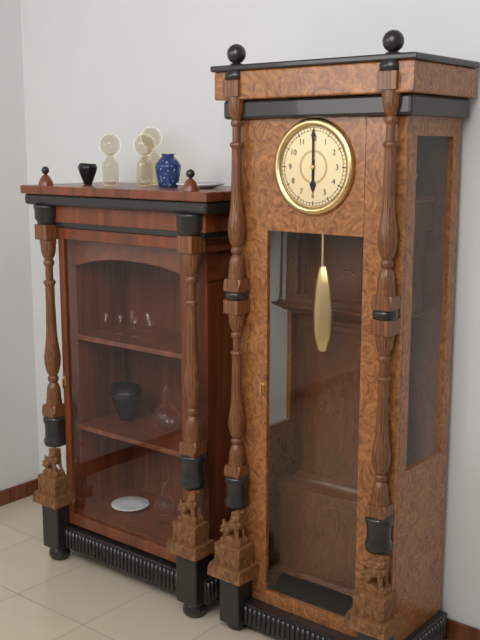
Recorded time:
h=6 m=0
